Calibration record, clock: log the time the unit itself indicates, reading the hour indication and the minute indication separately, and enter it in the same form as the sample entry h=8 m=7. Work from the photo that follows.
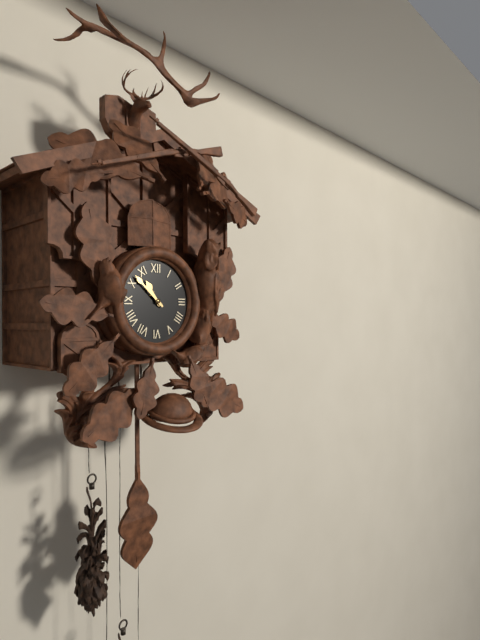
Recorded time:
h=10 m=52
